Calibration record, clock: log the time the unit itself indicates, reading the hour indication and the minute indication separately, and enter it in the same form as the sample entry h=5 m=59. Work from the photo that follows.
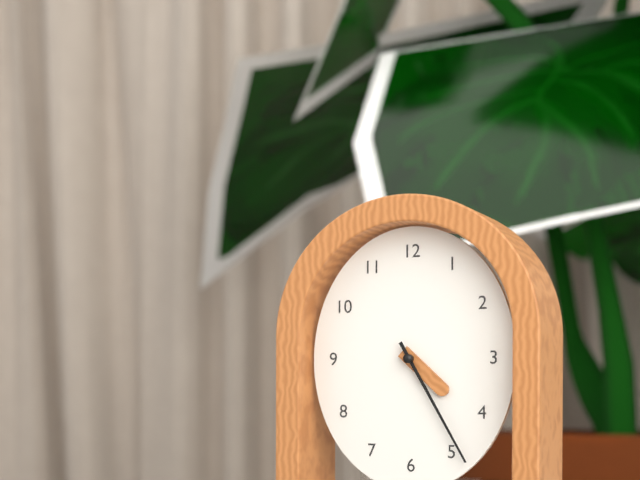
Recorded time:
h=4 m=25
